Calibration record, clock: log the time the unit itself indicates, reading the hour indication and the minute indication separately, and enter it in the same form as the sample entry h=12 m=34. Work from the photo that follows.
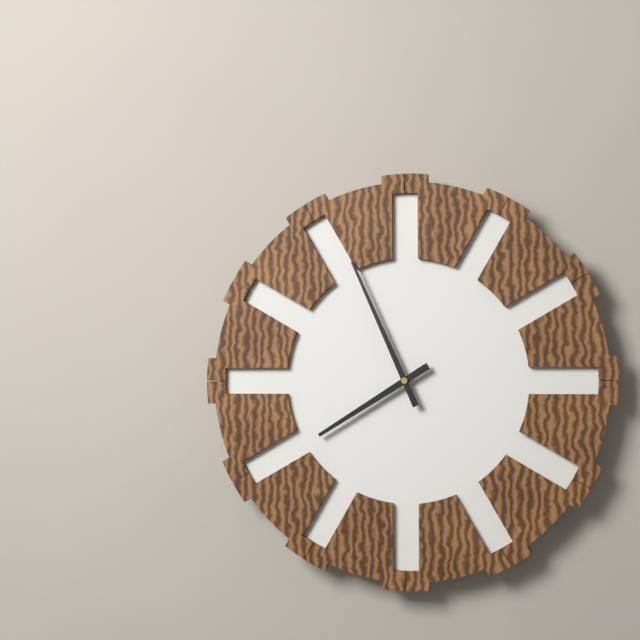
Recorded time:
h=7 m=56
